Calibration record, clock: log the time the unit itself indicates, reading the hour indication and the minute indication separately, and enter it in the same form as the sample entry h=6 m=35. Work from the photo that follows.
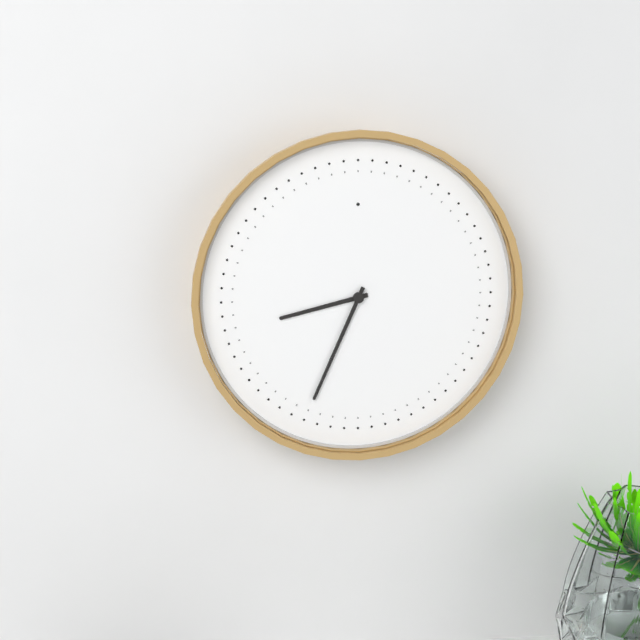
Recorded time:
h=8 m=34
